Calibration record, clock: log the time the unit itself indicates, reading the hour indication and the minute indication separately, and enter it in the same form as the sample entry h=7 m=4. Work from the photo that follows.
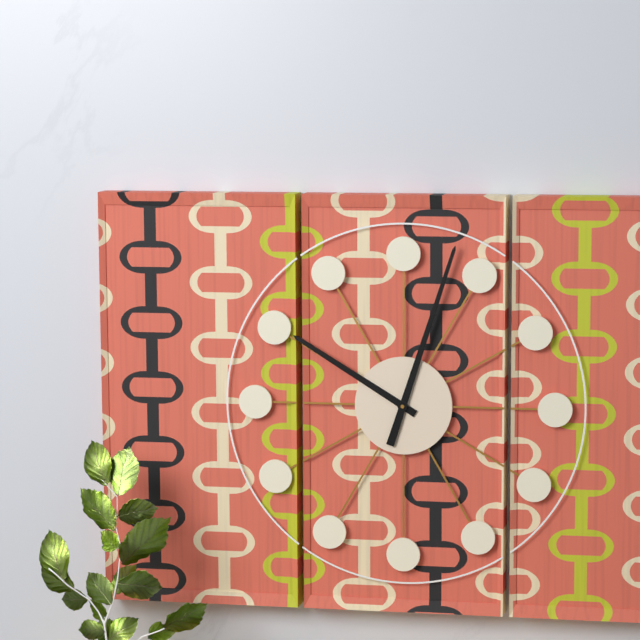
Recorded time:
h=10 m=3
